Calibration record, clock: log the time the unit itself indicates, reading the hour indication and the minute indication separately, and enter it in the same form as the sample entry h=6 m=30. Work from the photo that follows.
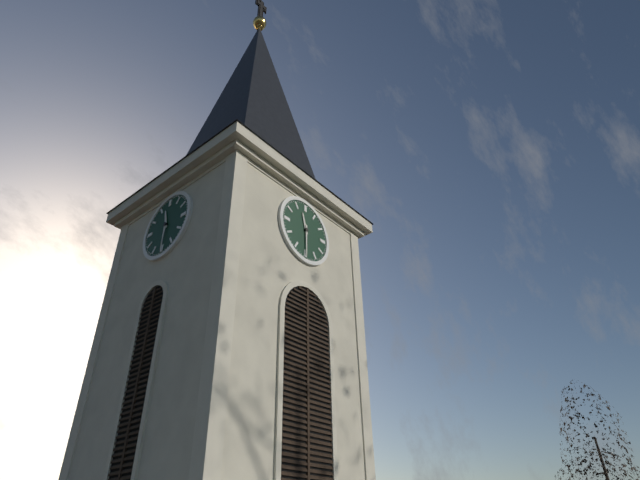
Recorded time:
h=11 m=30
